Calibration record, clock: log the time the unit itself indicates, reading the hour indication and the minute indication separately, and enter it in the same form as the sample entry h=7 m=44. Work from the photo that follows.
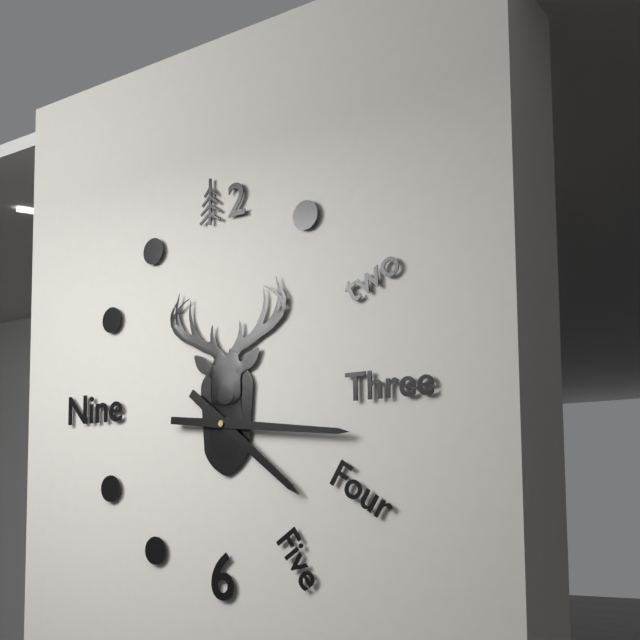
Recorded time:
h=4 m=16
